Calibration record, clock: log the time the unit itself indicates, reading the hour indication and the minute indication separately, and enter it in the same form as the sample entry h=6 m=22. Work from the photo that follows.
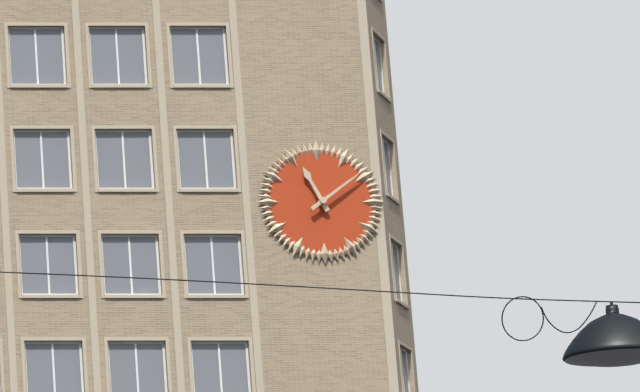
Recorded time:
h=11 m=9
